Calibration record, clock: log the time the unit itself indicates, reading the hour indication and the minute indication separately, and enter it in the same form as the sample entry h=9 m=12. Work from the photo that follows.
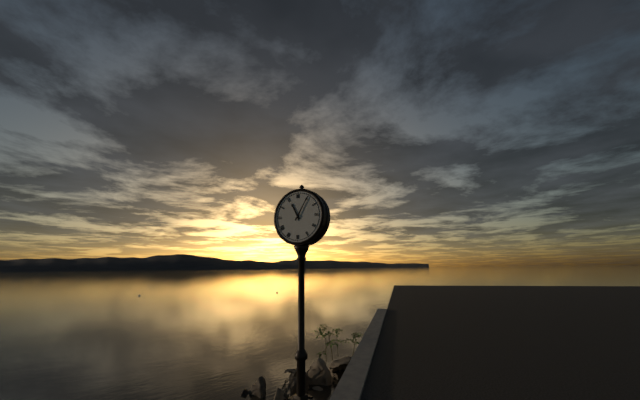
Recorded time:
h=11 m=5
